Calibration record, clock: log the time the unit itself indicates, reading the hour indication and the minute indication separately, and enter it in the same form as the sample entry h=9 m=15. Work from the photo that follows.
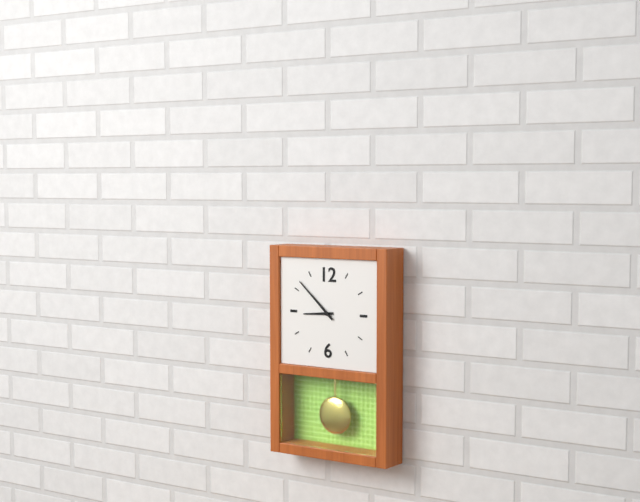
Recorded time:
h=8 m=52
